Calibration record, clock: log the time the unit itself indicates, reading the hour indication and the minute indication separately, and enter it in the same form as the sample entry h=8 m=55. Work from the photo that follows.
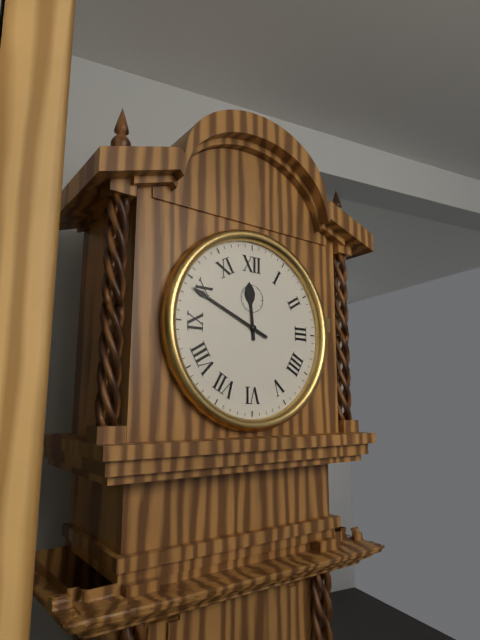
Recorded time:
h=11 m=49
